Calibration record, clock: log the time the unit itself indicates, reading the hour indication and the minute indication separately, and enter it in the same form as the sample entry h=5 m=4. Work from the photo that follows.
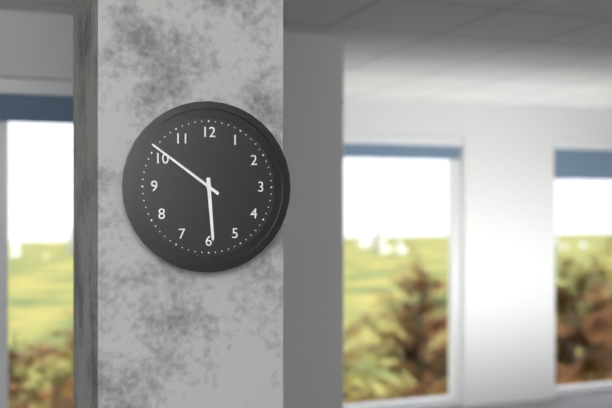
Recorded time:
h=5 m=51
